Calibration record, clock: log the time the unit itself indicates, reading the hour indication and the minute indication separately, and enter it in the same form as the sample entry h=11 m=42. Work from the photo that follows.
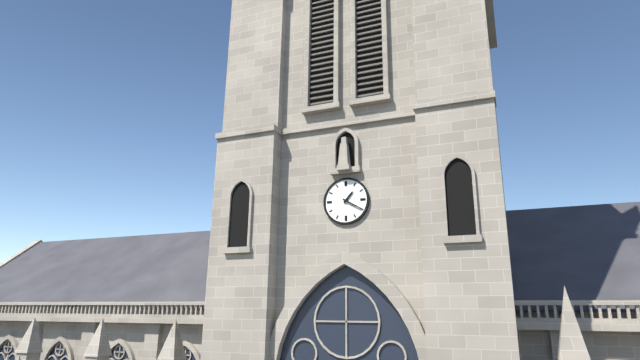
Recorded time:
h=1 m=20
